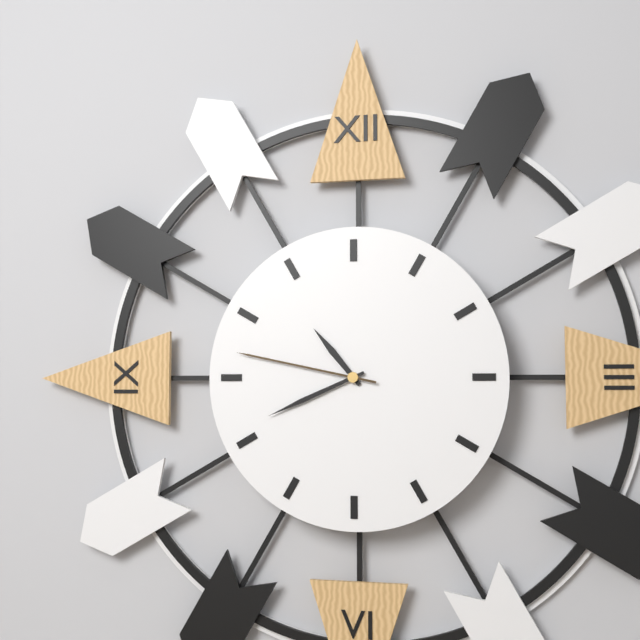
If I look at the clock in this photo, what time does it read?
10:41:47
